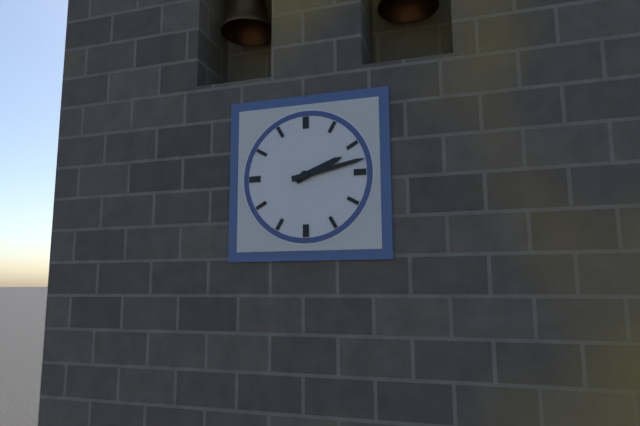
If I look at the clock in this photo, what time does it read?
2:13
